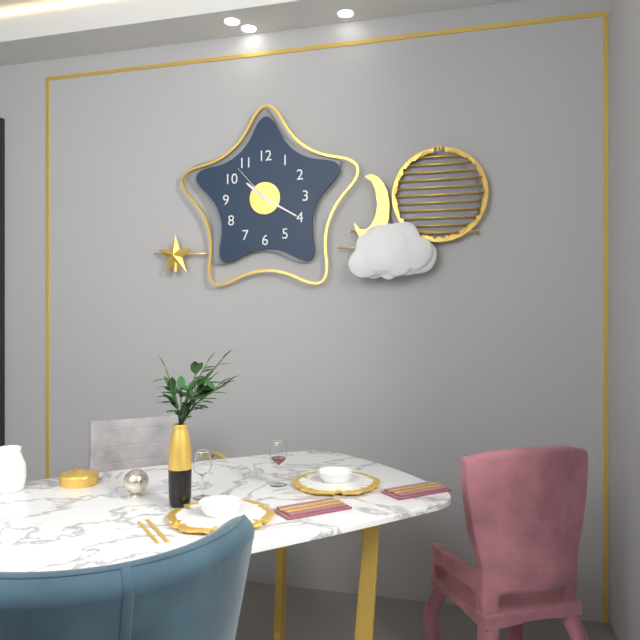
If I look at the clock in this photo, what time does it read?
10:20:53
